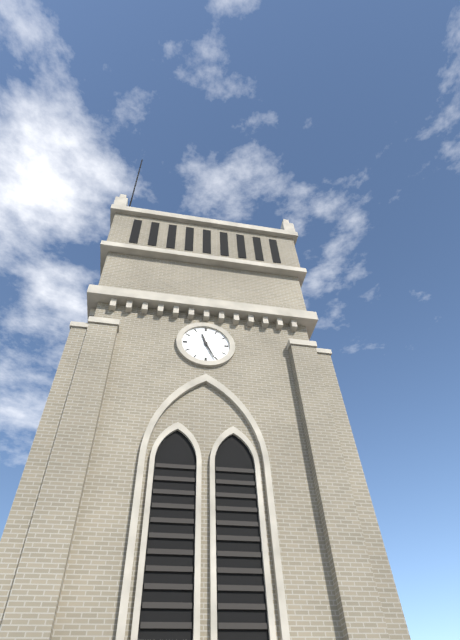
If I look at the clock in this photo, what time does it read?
11:26
